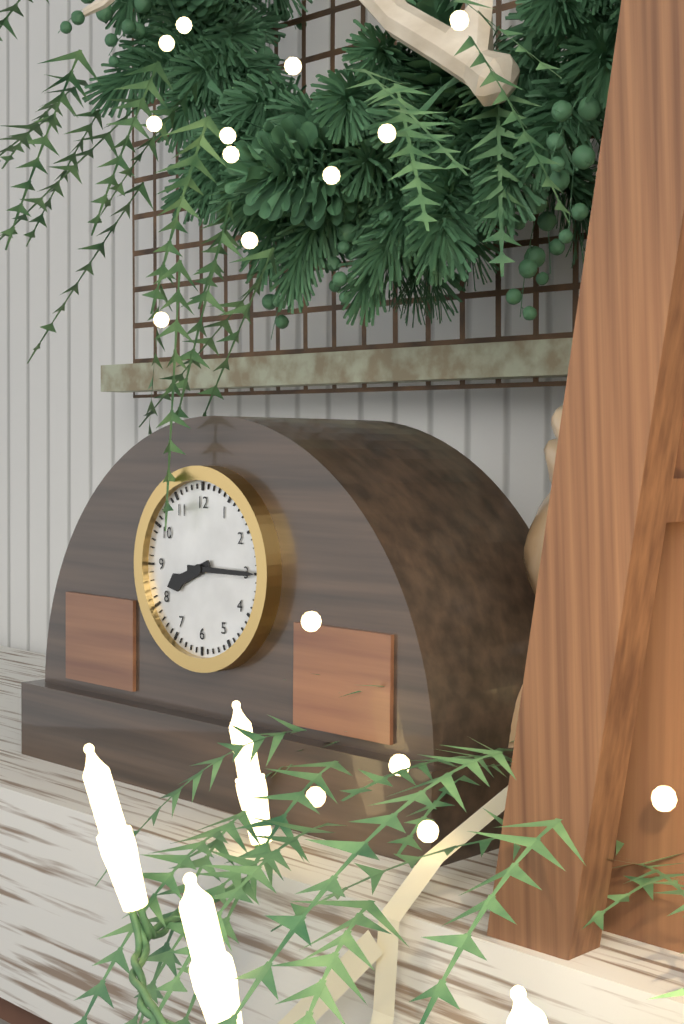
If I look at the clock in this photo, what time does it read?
8:15
